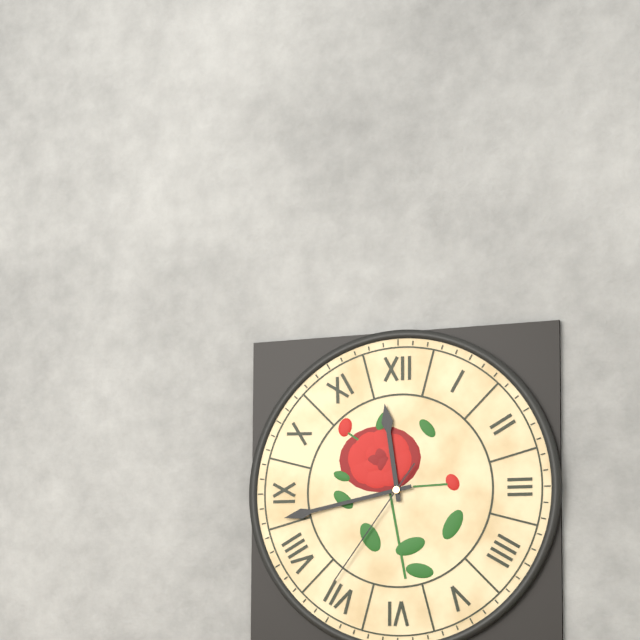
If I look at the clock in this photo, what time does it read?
11:43:36
